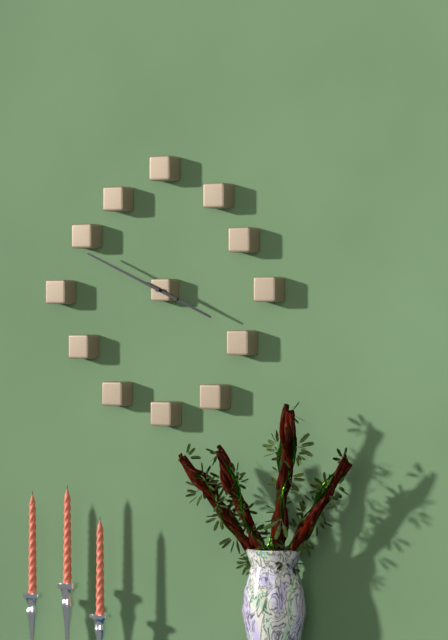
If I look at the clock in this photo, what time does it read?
3:49
